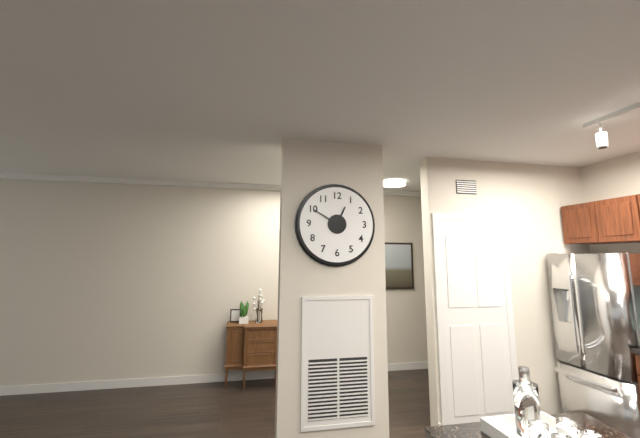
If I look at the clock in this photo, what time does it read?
12:50
